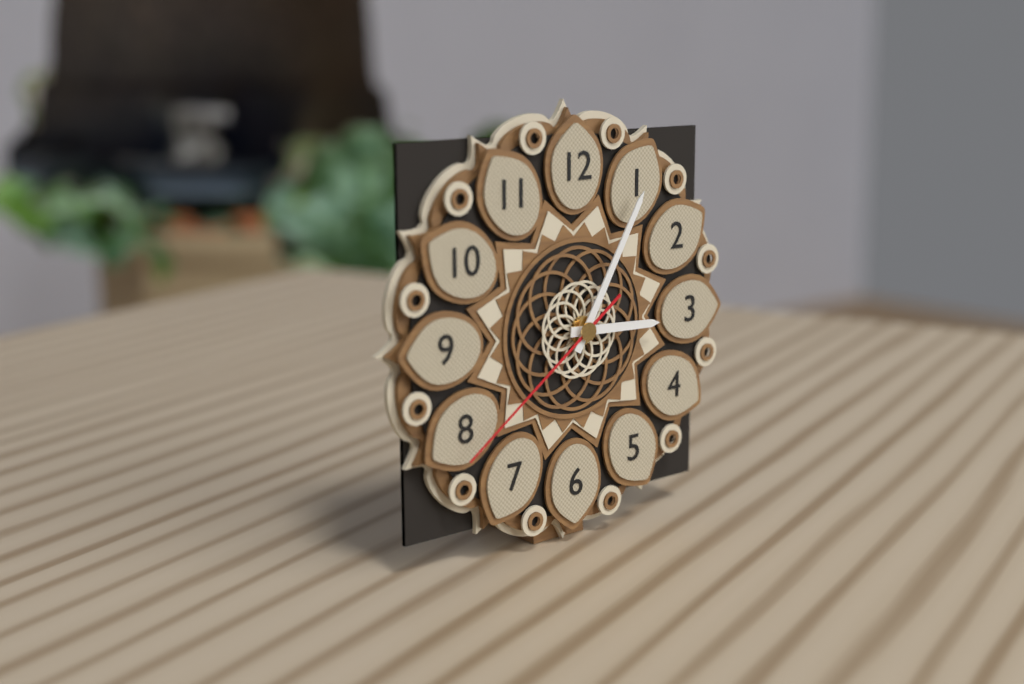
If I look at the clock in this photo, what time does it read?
3:05:39
